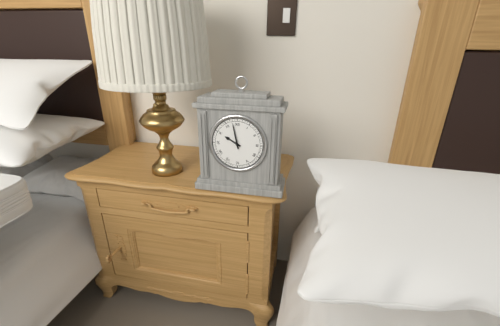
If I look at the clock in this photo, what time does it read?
9:58
